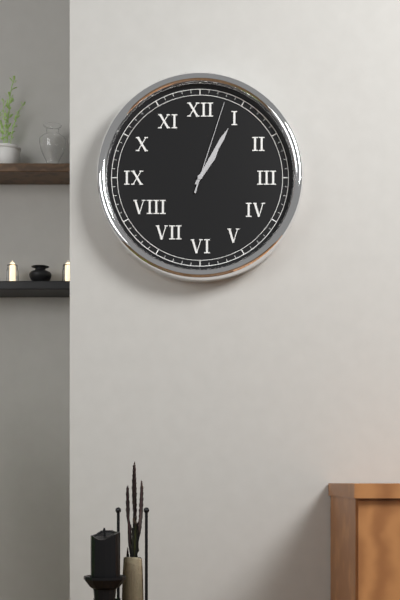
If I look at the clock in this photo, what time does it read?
1:05:03
